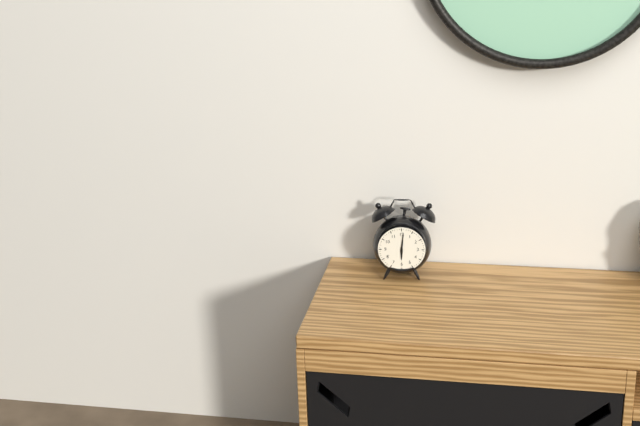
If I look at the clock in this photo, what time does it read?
6:01
